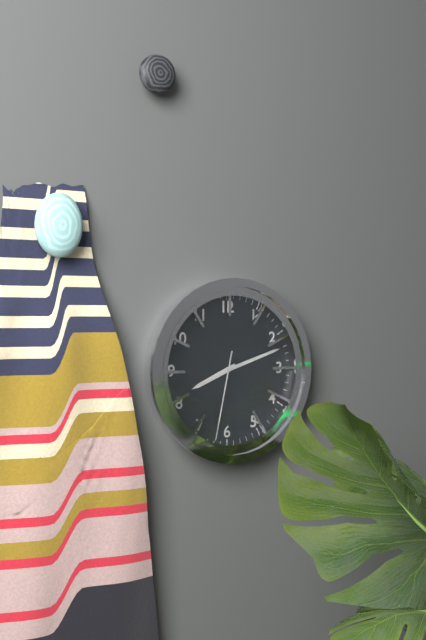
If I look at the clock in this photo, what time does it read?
8:12:32
